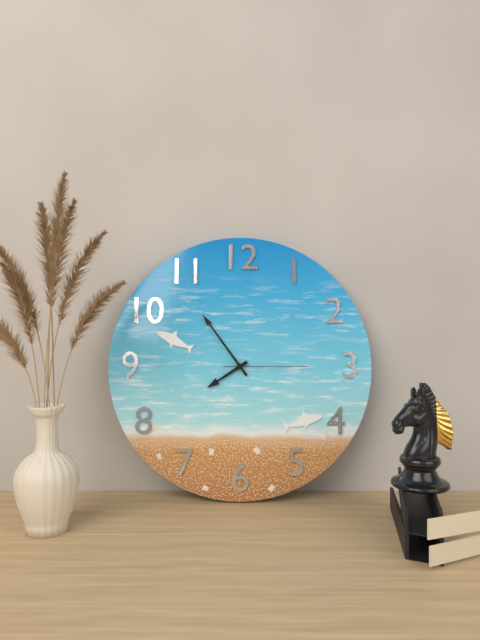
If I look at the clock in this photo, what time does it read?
7:54:15
